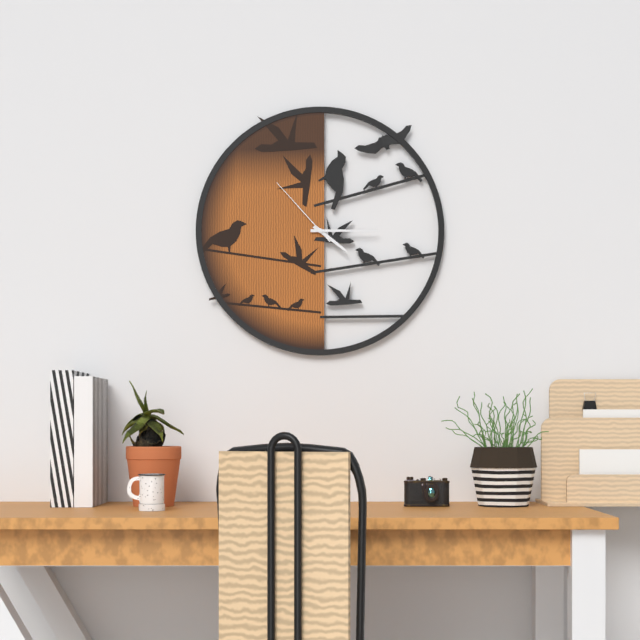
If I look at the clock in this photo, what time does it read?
4:15:53
